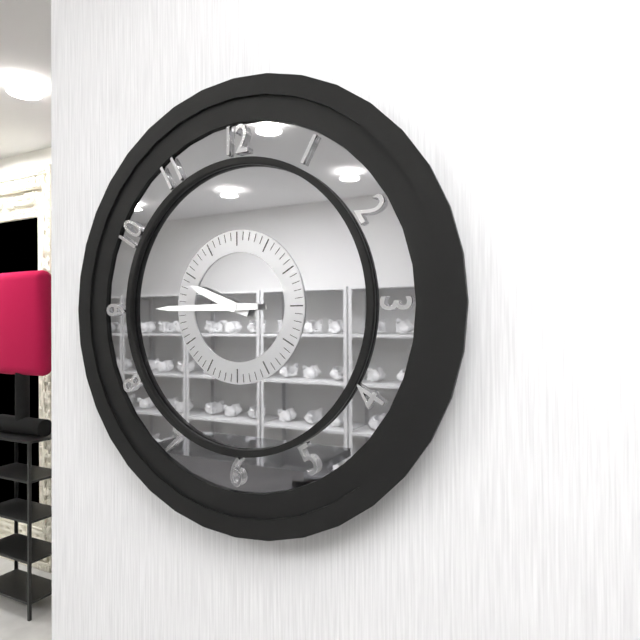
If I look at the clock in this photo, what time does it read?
9:45
